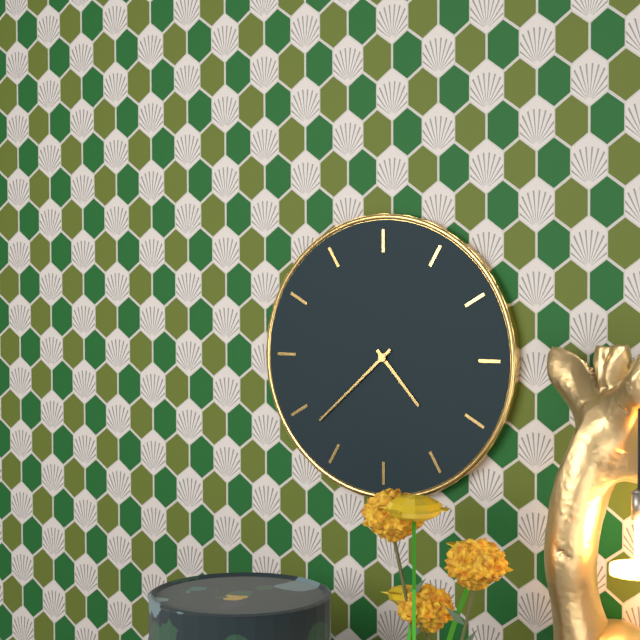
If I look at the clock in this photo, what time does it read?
4:38
